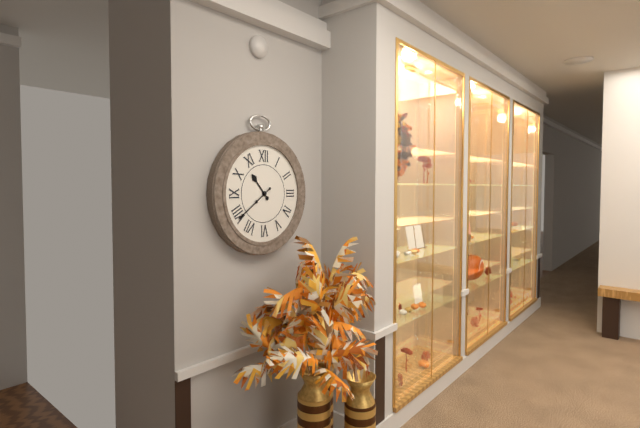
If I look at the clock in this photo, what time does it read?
10:39
